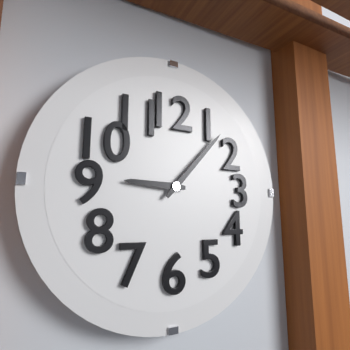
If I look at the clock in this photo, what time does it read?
9:07
